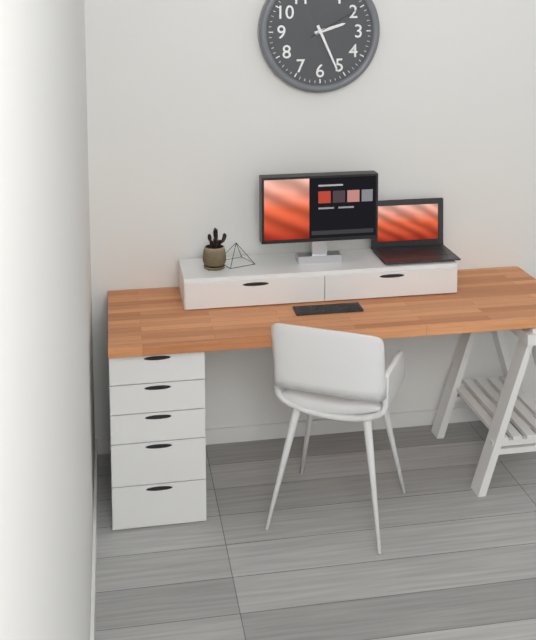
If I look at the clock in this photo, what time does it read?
2:26:10
